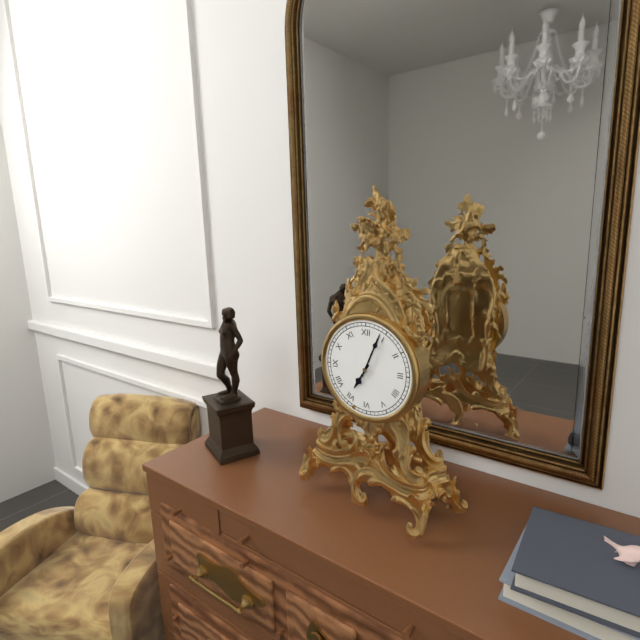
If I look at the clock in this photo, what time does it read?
7:04
